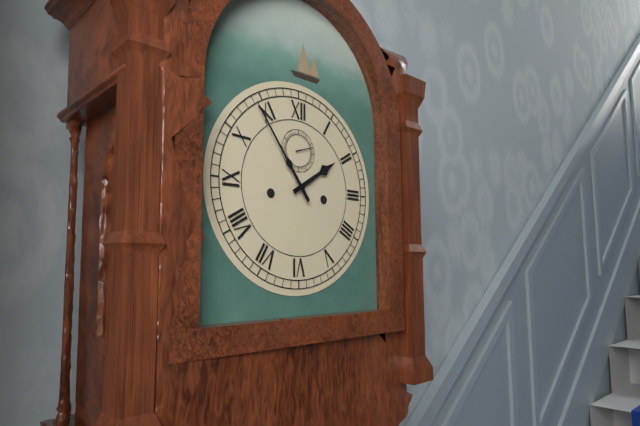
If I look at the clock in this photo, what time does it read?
1:54
